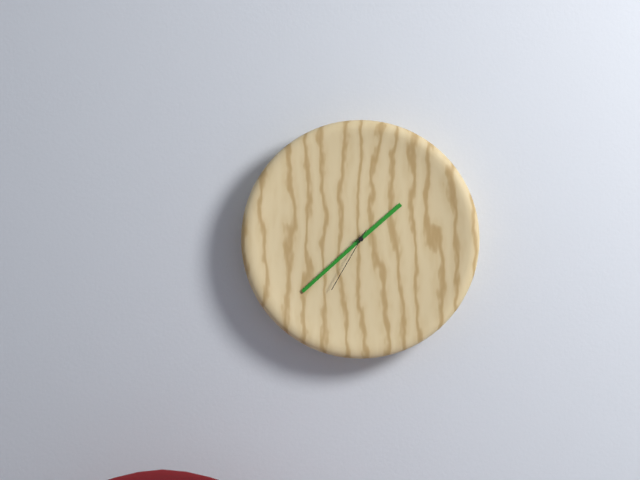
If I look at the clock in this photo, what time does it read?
1:38:35
